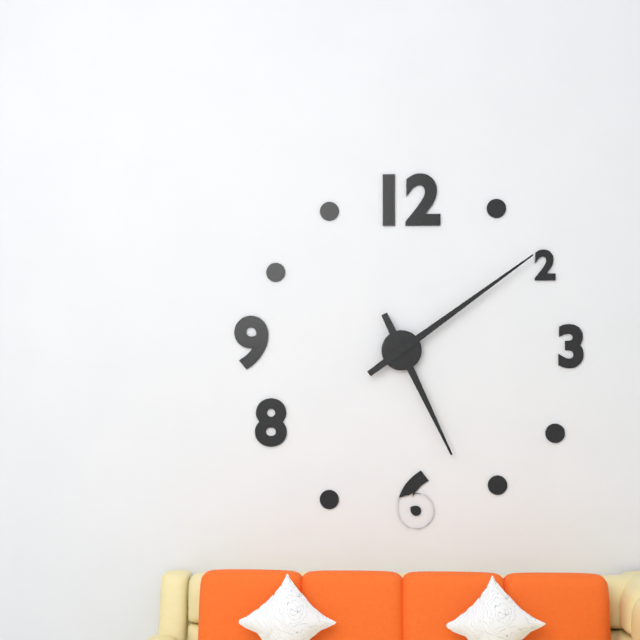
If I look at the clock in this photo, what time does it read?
5:09
